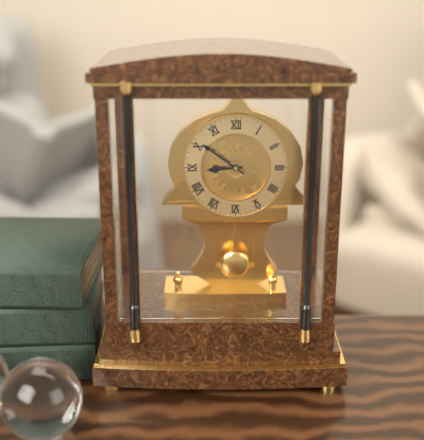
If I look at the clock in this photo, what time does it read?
8:51
